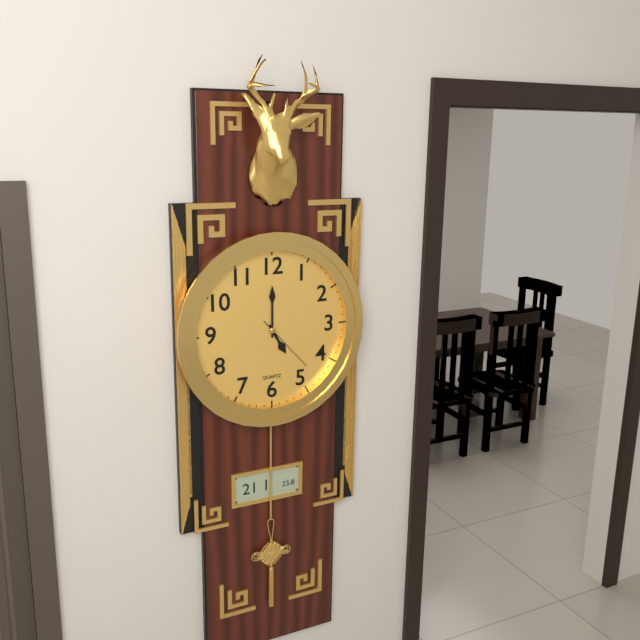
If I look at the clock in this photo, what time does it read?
5:00:23
